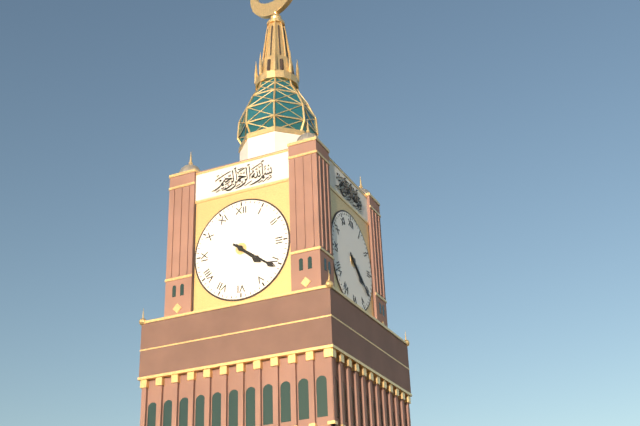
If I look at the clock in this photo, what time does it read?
4:21
